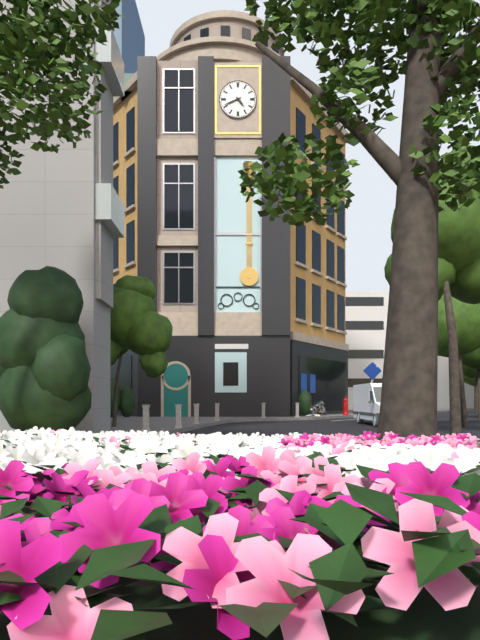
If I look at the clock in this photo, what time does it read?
4:41
